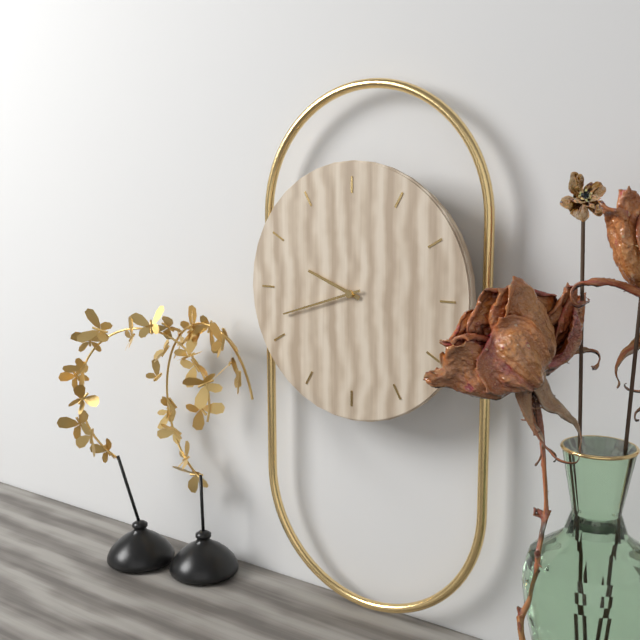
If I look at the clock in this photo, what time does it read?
9:42
